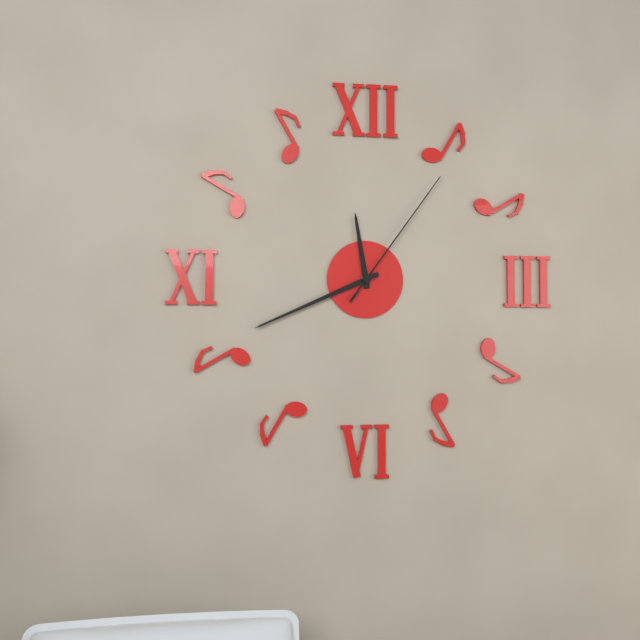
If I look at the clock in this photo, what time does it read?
11:41:06
